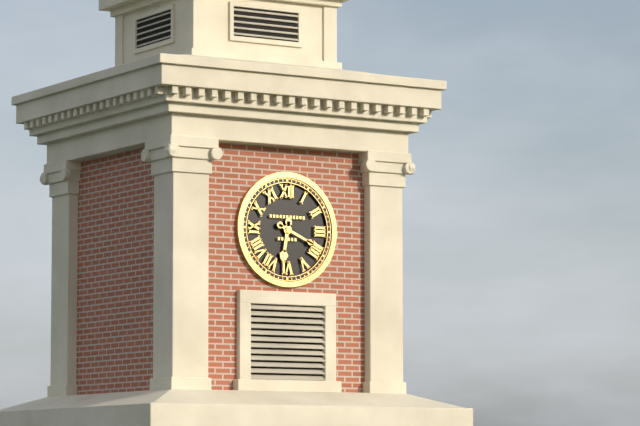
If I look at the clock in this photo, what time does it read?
6:19
